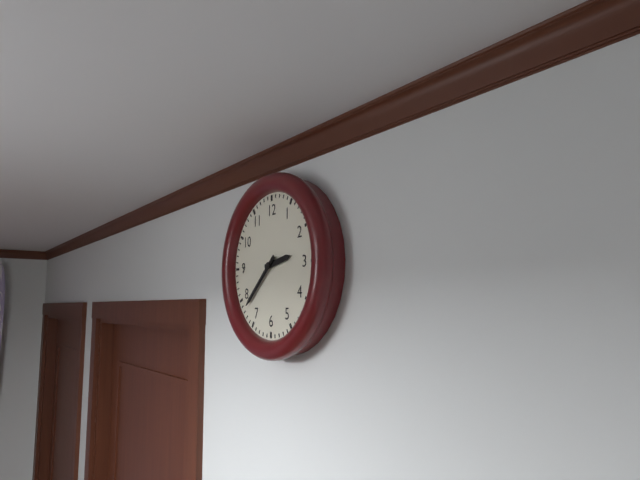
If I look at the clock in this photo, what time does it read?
2:38
